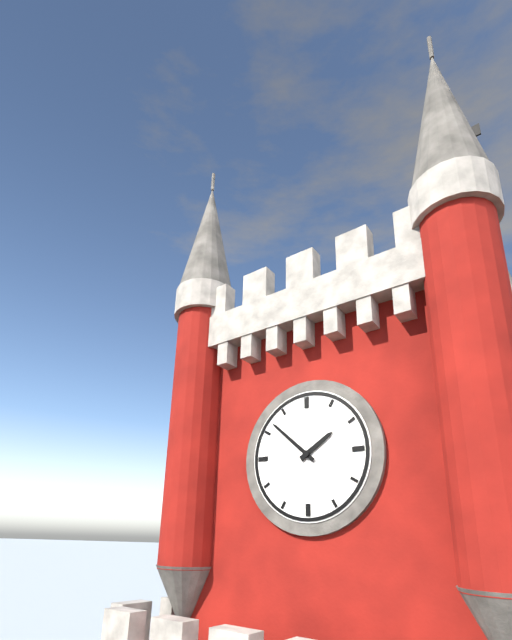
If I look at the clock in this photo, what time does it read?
1:52
